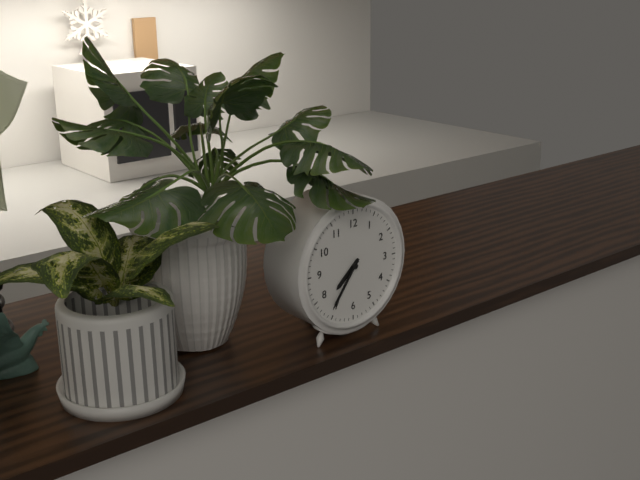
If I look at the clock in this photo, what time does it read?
7:36
